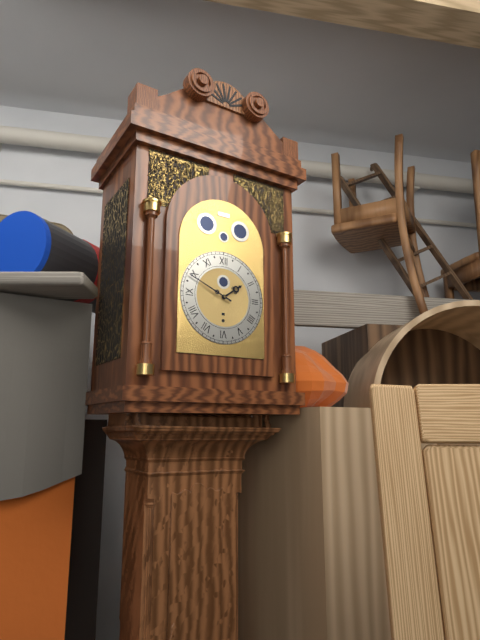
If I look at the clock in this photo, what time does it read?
1:49
